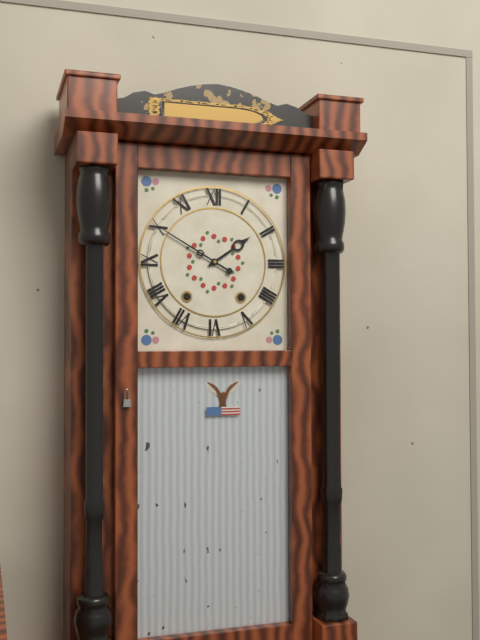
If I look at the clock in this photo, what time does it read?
1:50
